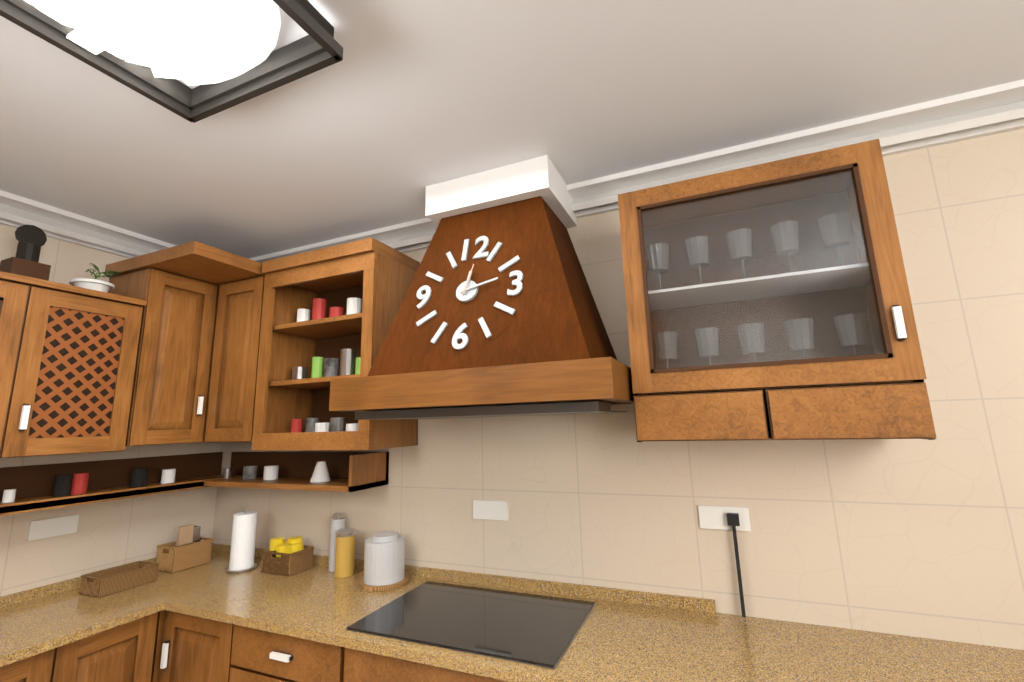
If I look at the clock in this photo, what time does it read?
12:13
